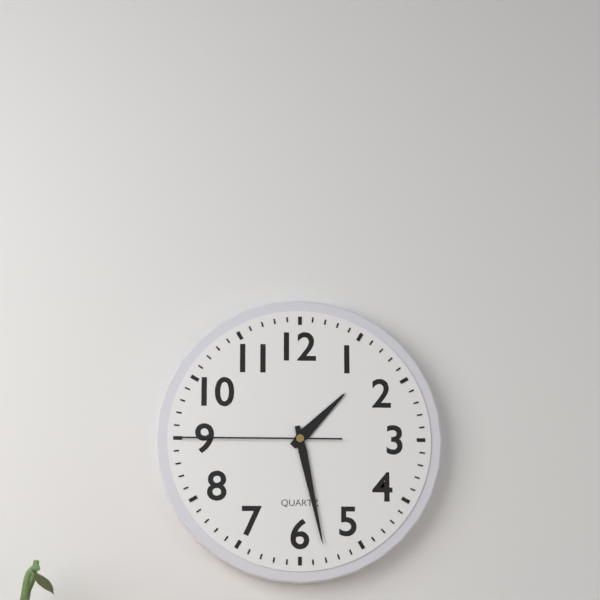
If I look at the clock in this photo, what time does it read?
1:28:45
